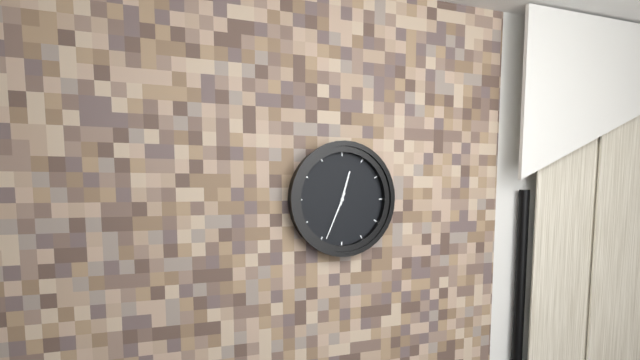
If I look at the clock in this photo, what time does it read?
12:34
